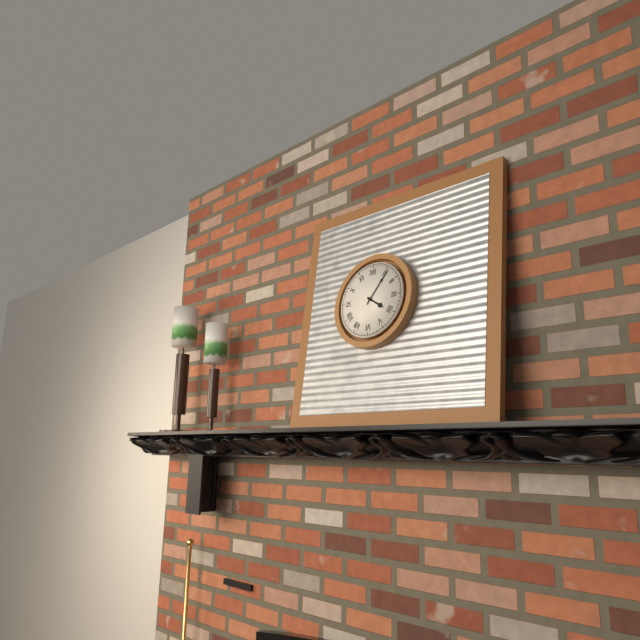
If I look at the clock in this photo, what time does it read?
4:06
